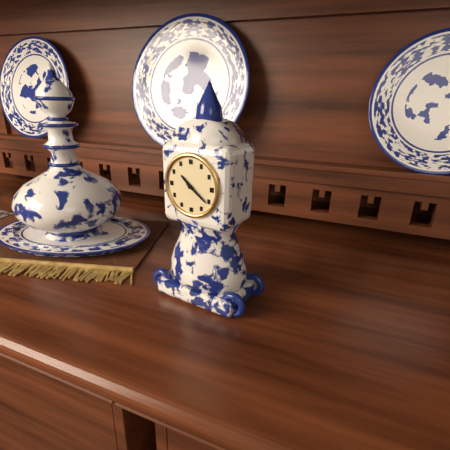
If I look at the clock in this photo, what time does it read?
10:21
